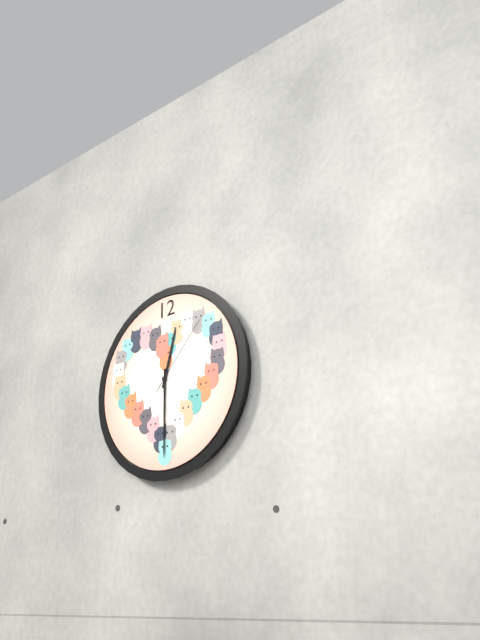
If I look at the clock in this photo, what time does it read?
12:30:07
